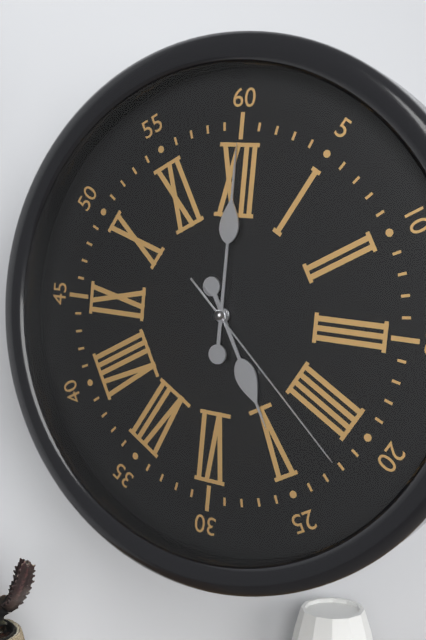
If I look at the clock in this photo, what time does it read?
5:00:22
